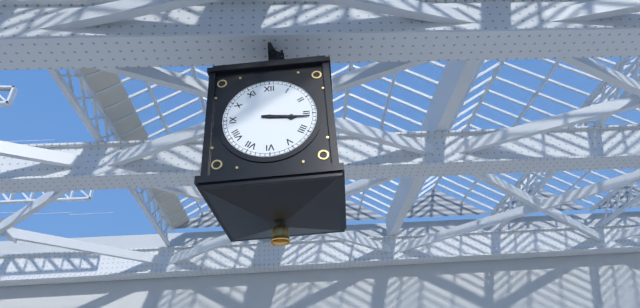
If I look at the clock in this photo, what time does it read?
3:16
